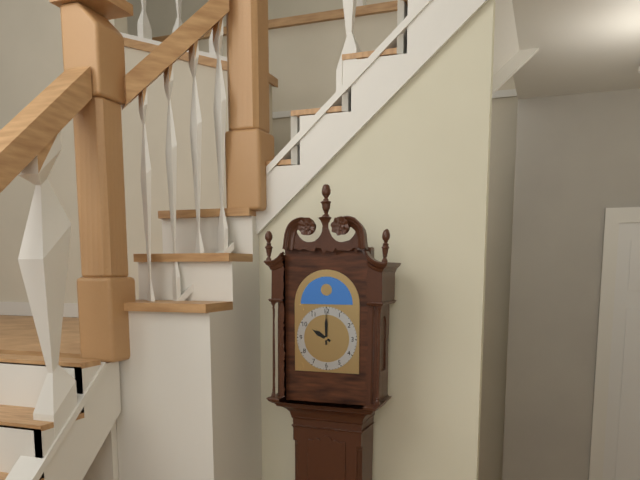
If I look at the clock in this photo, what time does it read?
10:00
